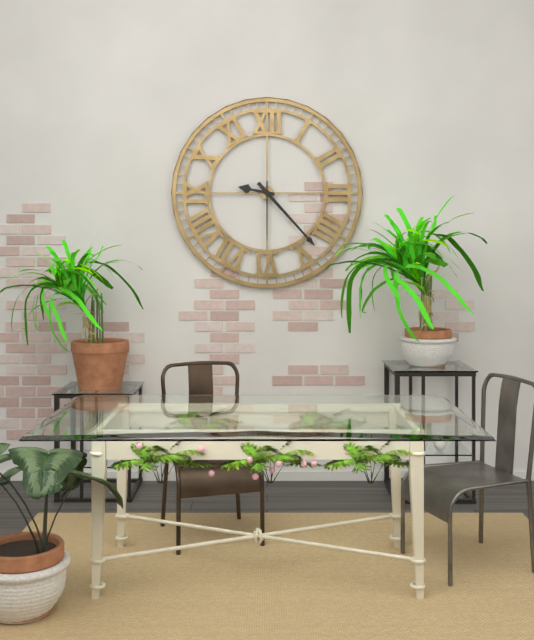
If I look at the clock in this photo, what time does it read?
9:23:30
